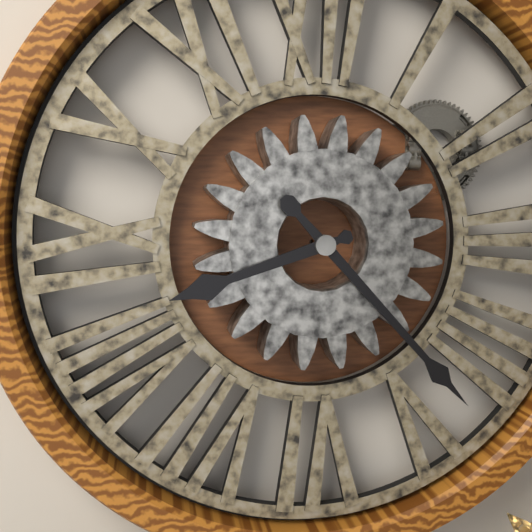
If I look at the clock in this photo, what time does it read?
8:23
